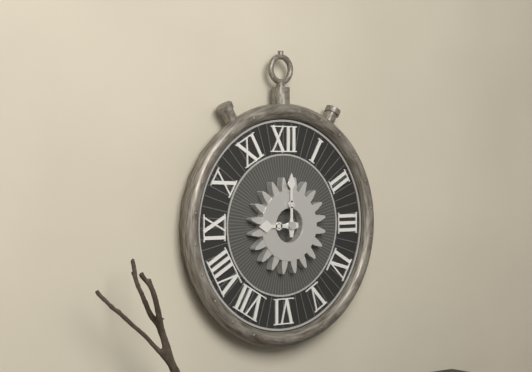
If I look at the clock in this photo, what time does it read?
9:00
